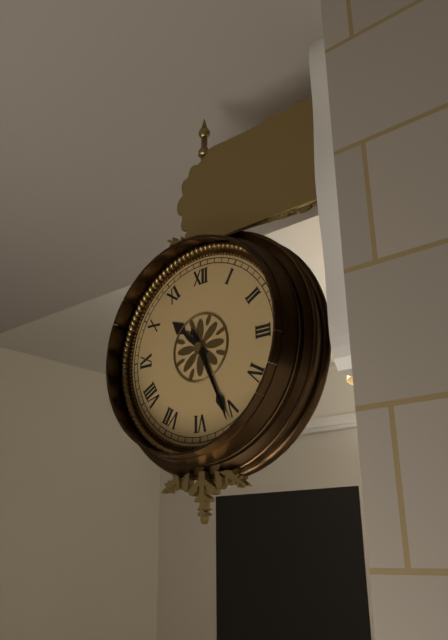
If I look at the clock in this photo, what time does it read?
10:26:26
